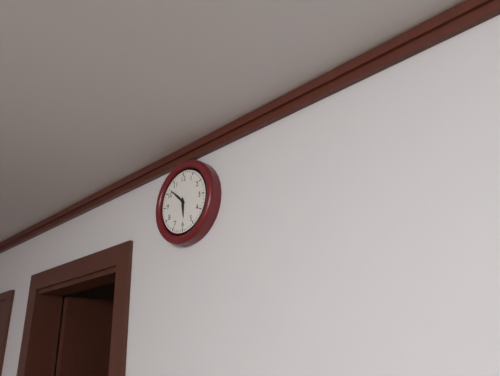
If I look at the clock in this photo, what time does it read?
5:52
